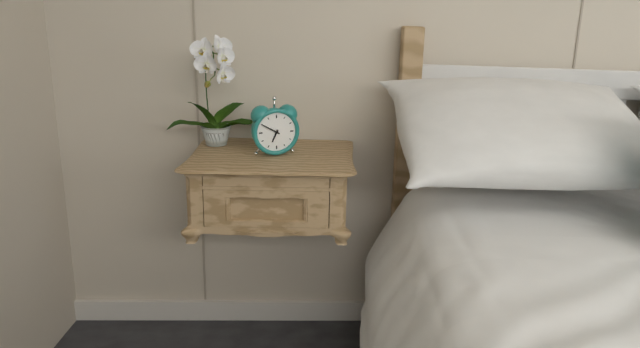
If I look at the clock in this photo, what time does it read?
6:50
